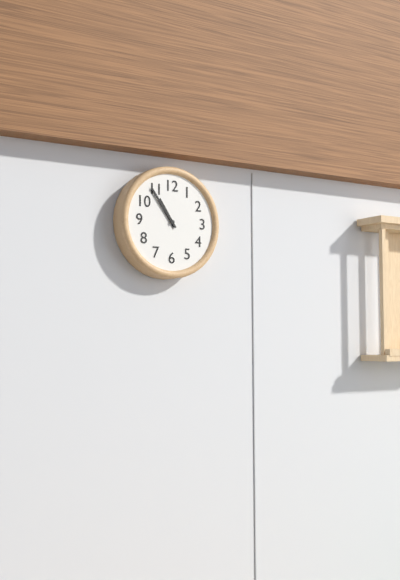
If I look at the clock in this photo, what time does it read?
10:54
